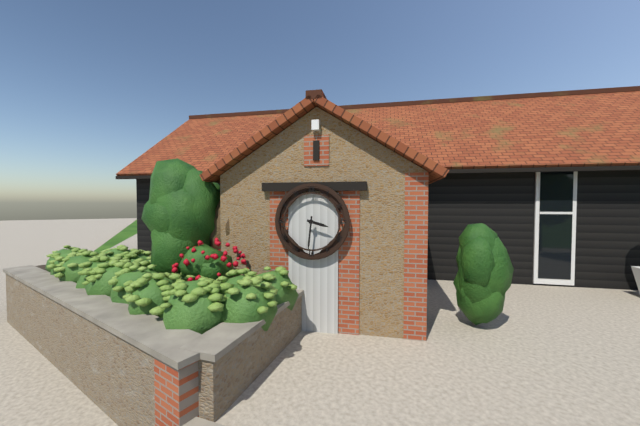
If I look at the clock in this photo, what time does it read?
3:31
